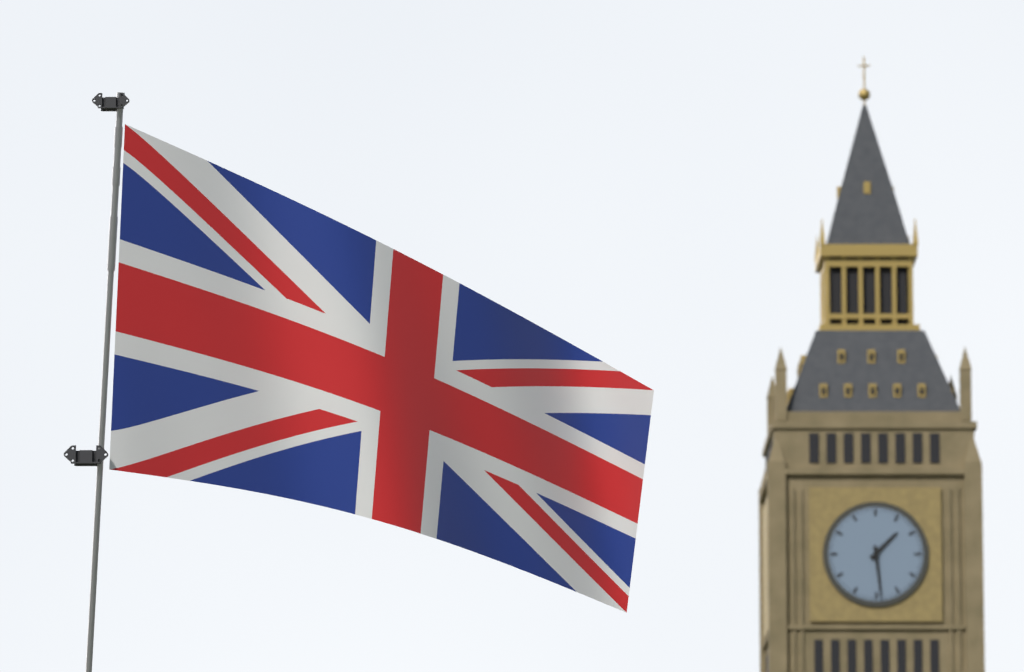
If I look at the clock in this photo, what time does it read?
1:29
